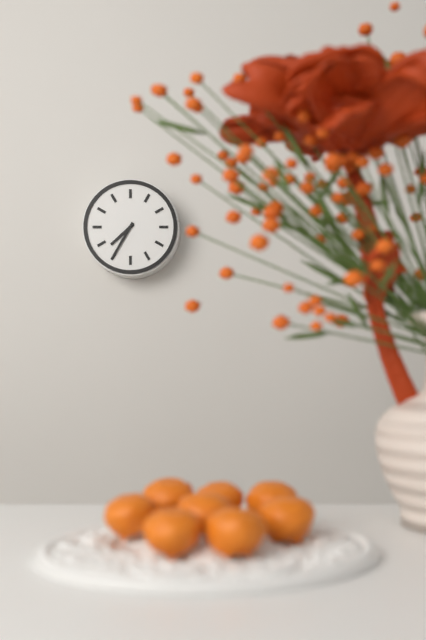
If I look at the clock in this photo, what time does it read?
7:35
